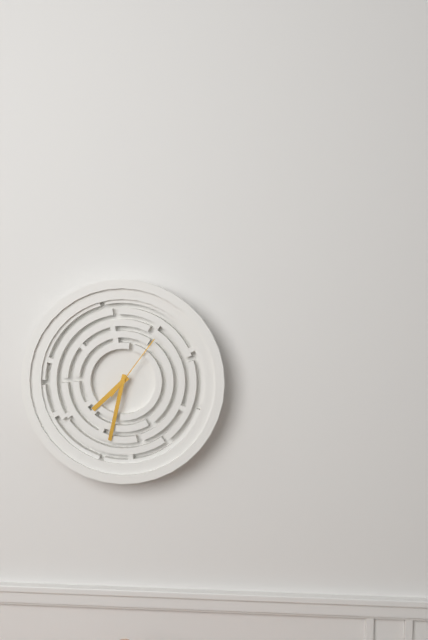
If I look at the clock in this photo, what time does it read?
7:32:06
